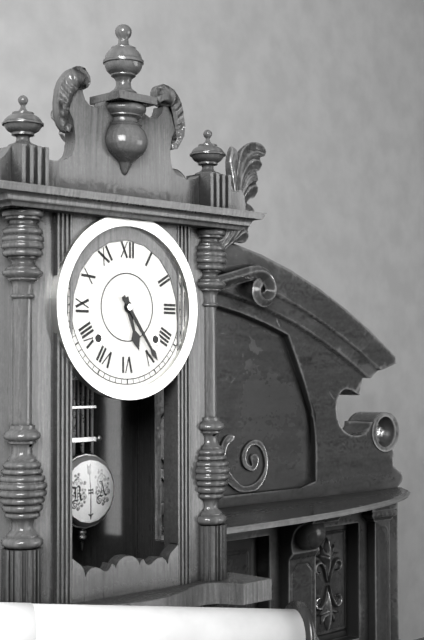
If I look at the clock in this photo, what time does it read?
5:24
